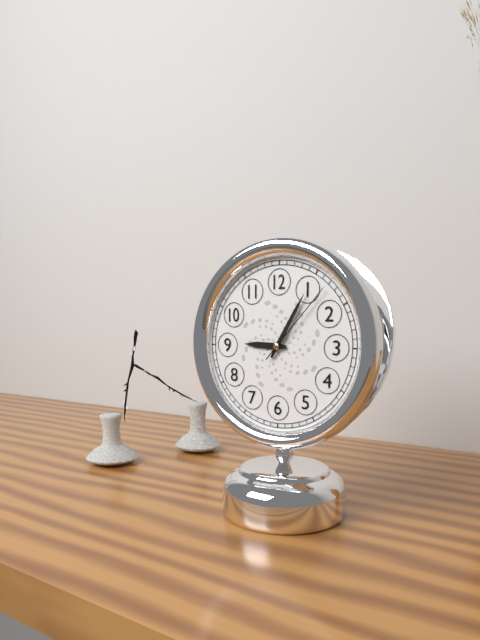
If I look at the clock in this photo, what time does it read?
9:05:07
